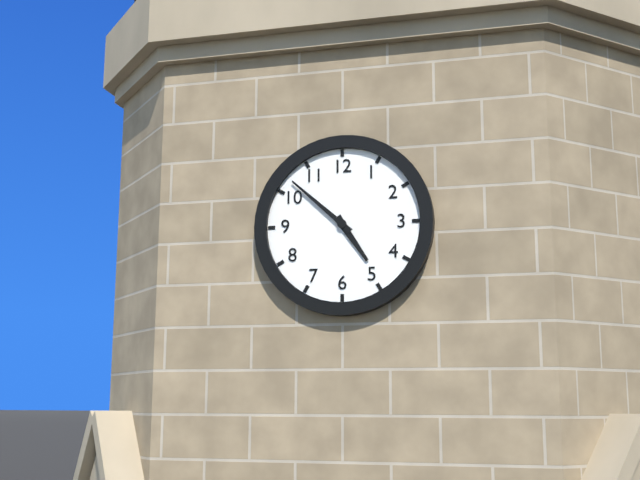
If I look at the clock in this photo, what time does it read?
4:52
